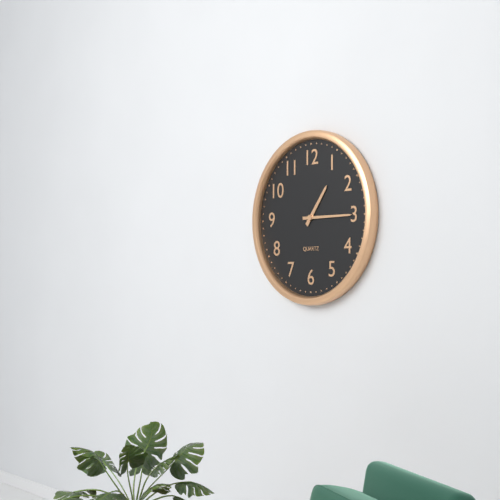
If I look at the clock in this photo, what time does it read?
1:15
